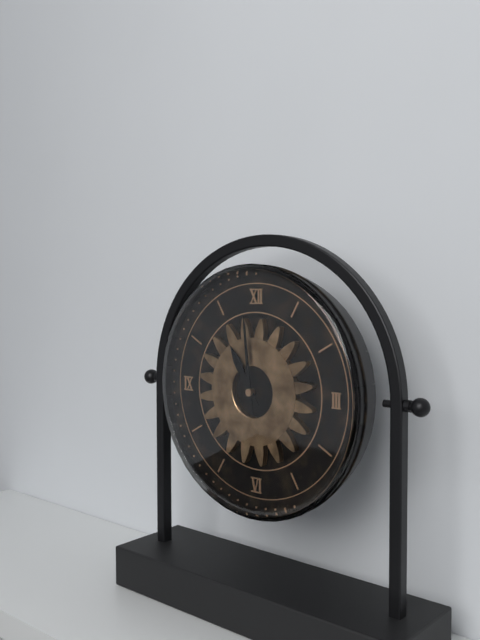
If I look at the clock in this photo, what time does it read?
10:59
